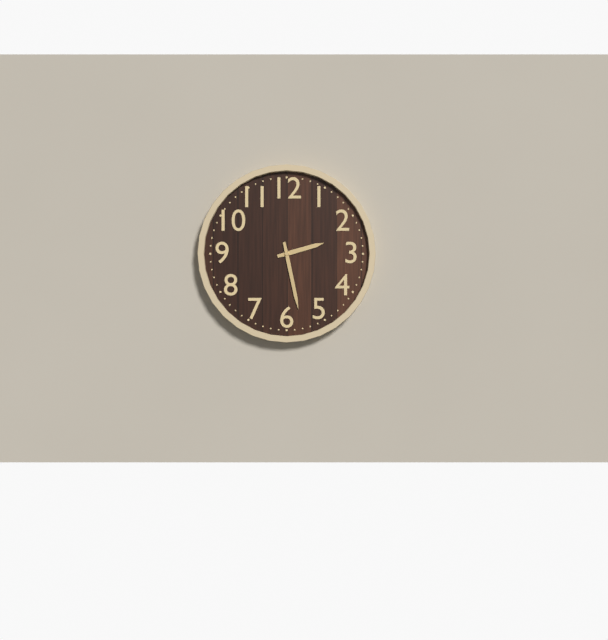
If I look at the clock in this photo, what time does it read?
2:28
